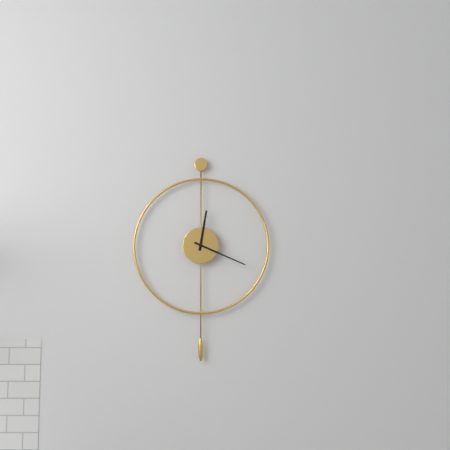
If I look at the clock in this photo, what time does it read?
12:19
